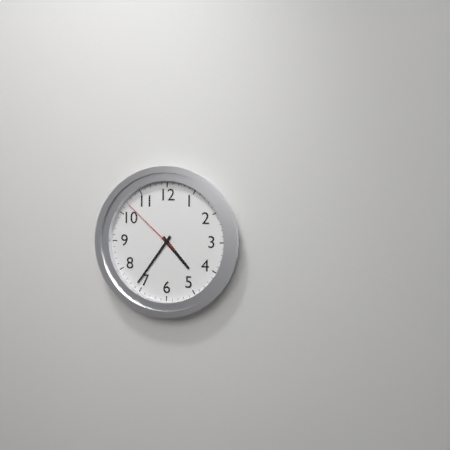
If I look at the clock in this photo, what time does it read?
4:36:52
